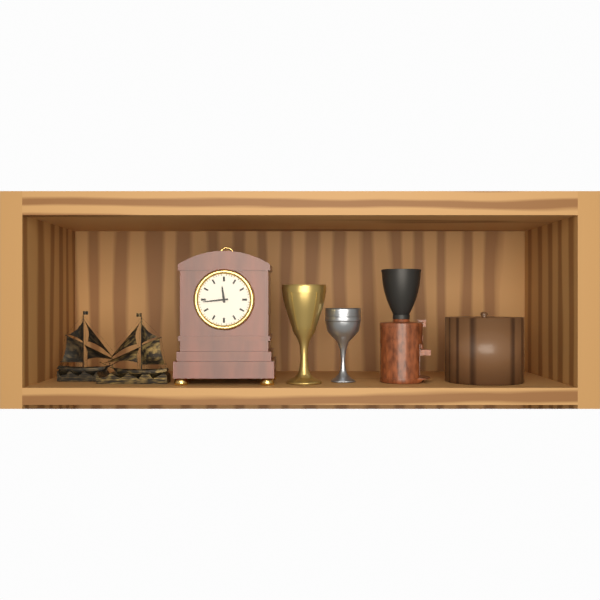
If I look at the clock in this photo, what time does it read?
11:44
